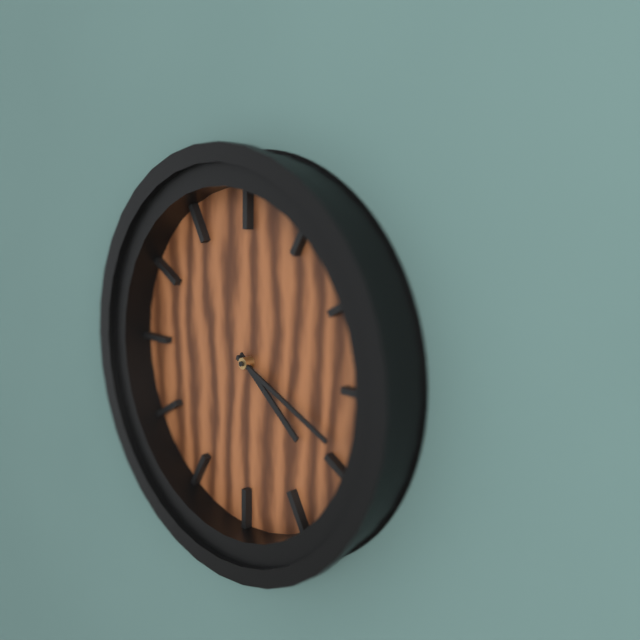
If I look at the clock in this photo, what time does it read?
4:19
